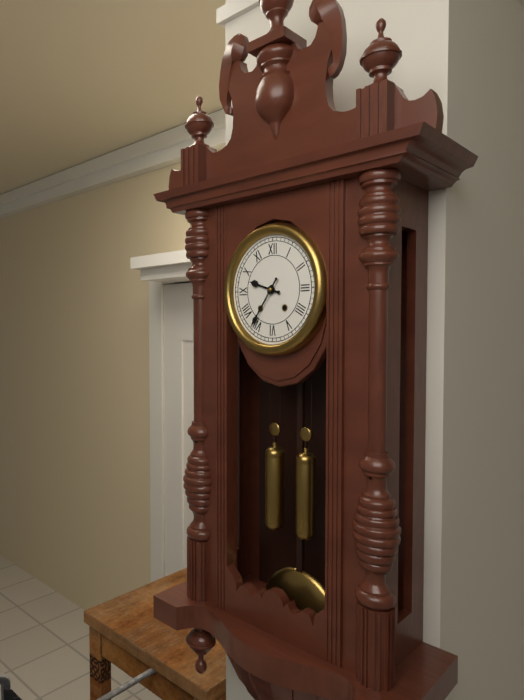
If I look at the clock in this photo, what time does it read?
9:36
